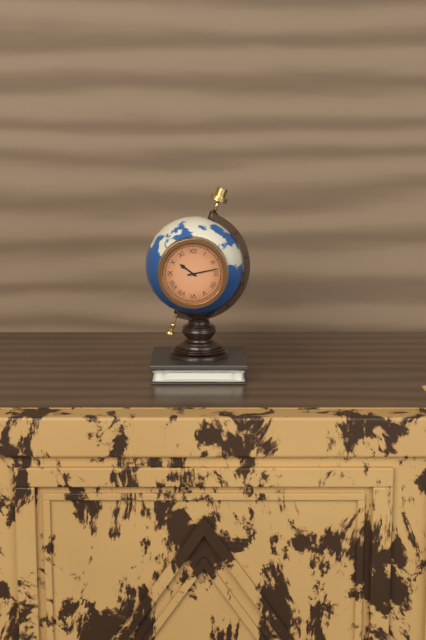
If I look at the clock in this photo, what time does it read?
10:13
